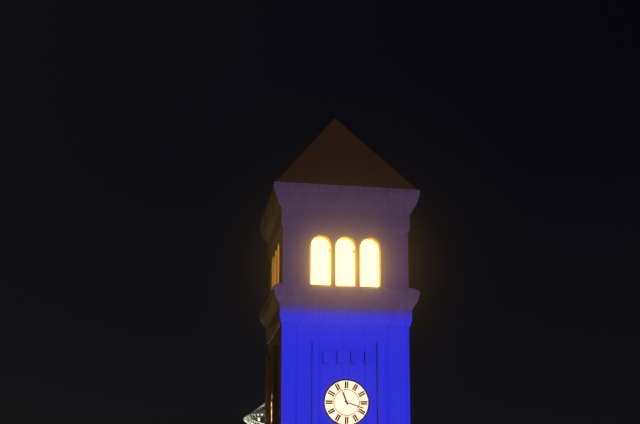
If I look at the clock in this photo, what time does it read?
11:18
